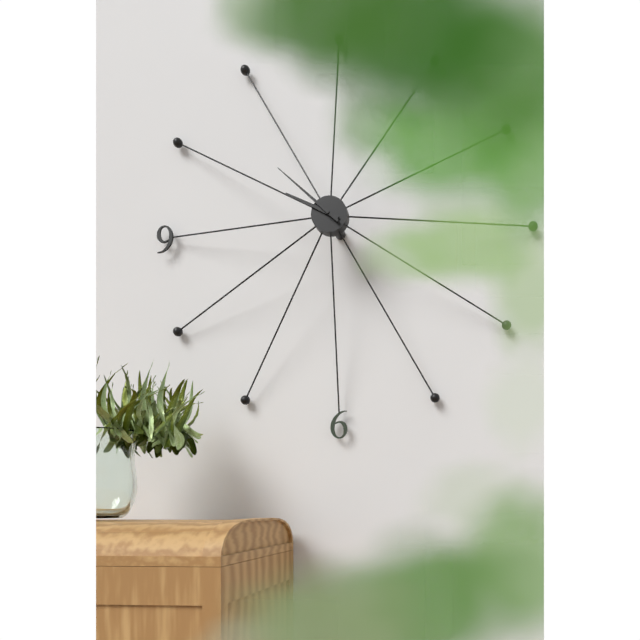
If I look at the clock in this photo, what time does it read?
9:52
